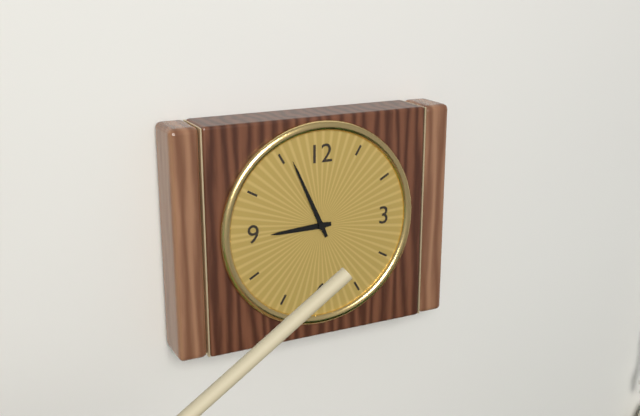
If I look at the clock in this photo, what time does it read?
8:56
